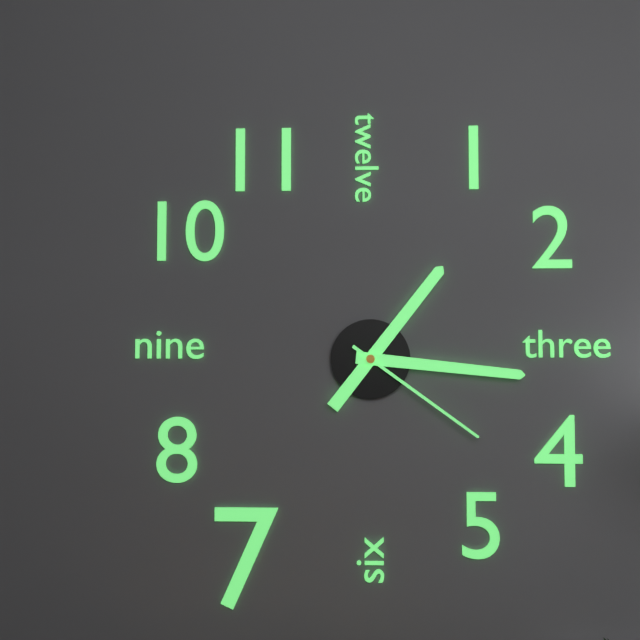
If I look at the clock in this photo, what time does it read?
1:16:21
